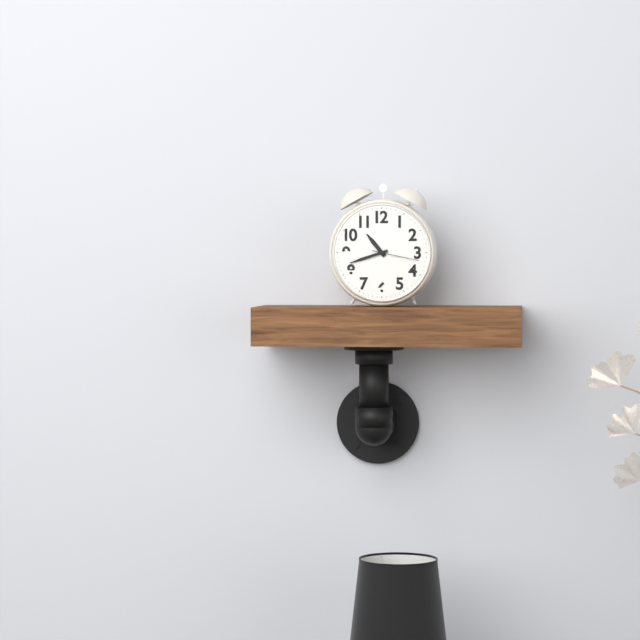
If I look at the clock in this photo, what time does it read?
10:42
